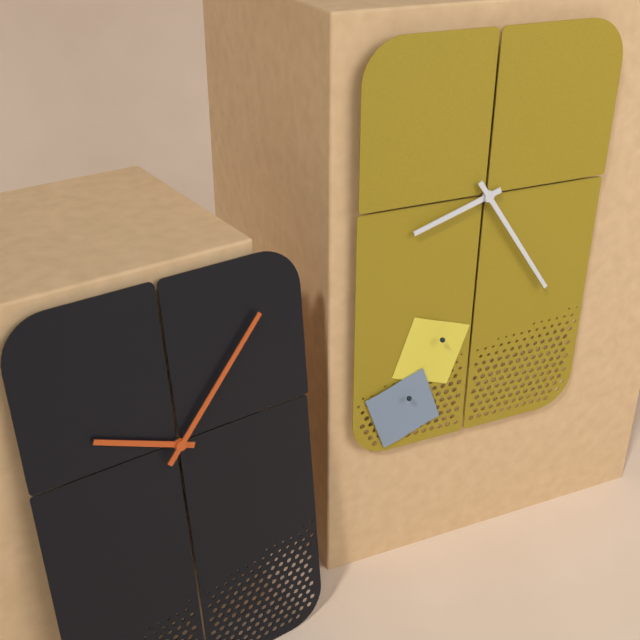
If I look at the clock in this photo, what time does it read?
8:24
